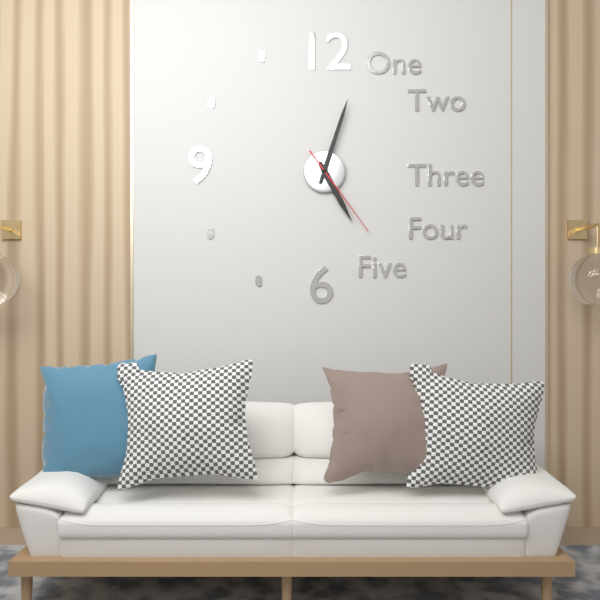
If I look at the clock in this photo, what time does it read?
5:03:24
